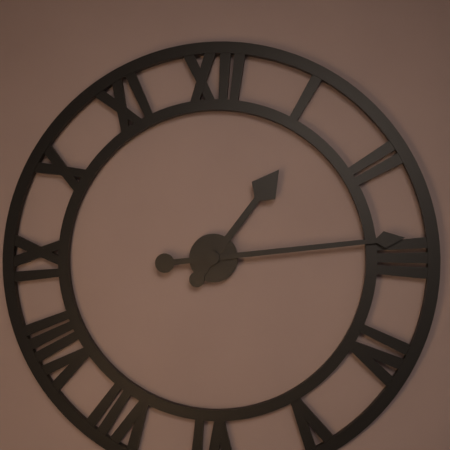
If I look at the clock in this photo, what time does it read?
1:14
